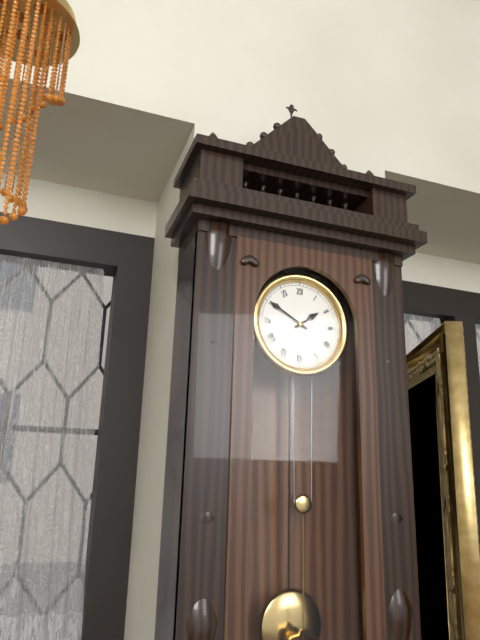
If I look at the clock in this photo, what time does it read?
1:50
